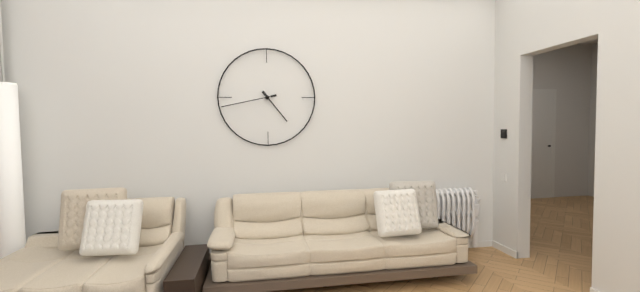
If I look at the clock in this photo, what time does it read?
4:43
